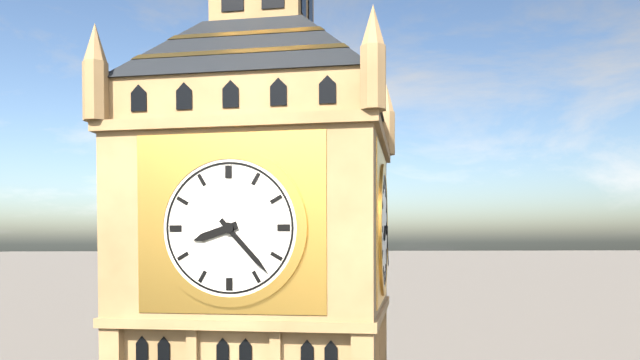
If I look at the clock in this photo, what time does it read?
8:23
